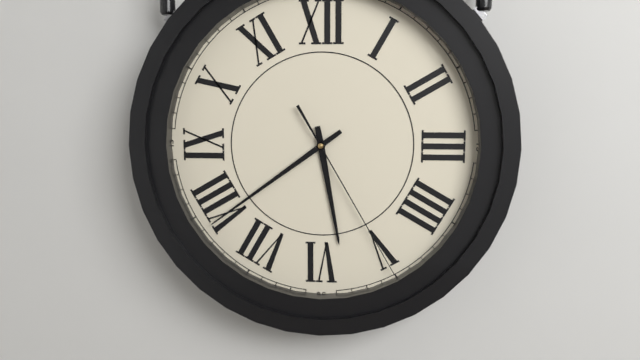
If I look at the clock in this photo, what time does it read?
5:39:25
